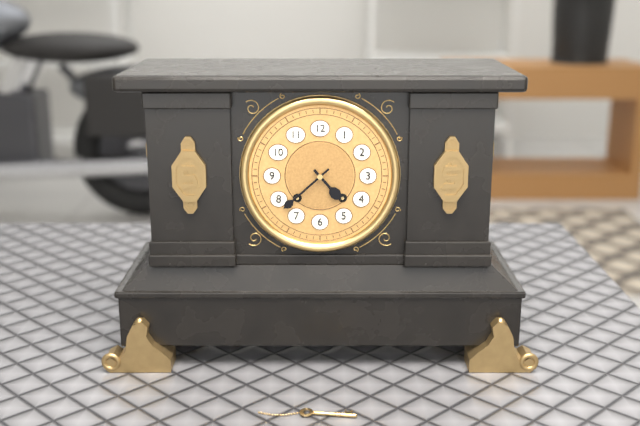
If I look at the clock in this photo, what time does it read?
4:38
